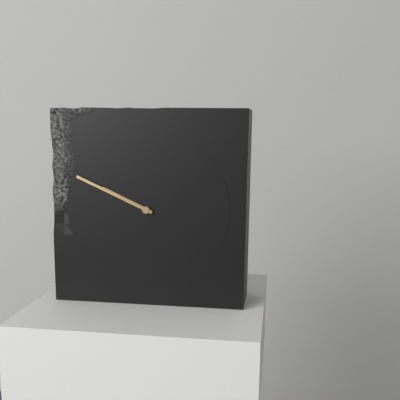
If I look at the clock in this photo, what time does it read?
9:49
